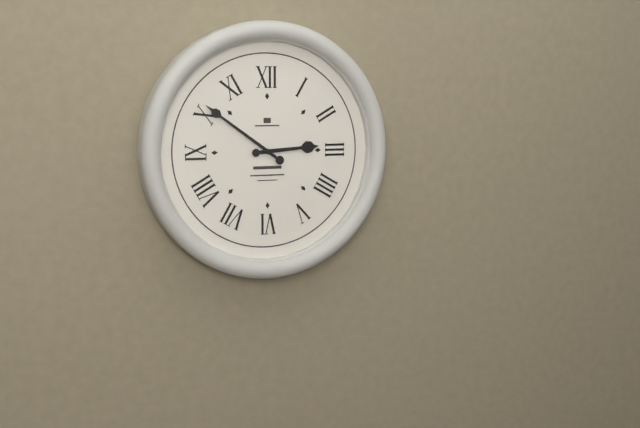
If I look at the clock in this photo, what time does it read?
2:51
